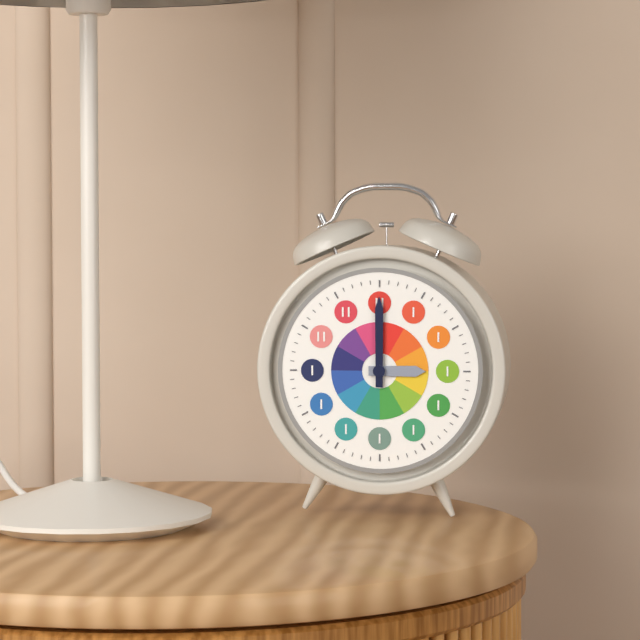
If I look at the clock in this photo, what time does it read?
3:00
